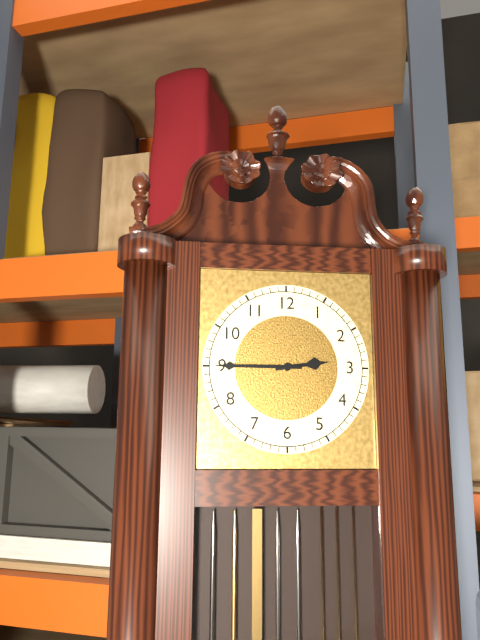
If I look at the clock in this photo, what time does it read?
2:45
